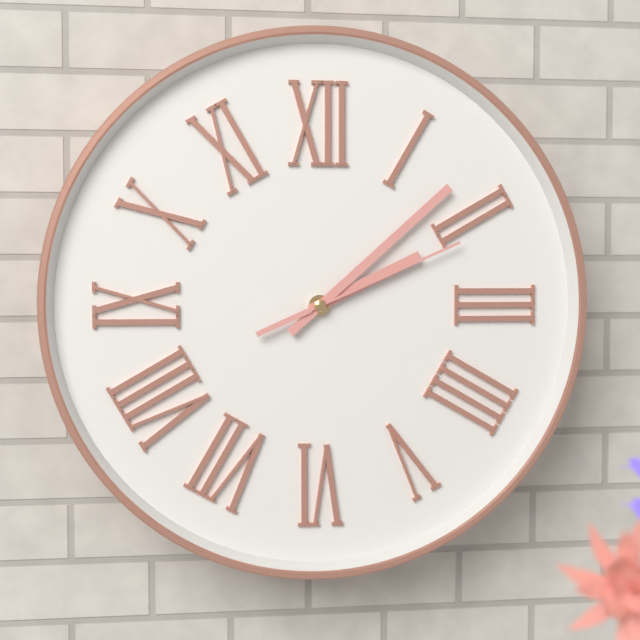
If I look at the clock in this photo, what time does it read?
2:08:11
